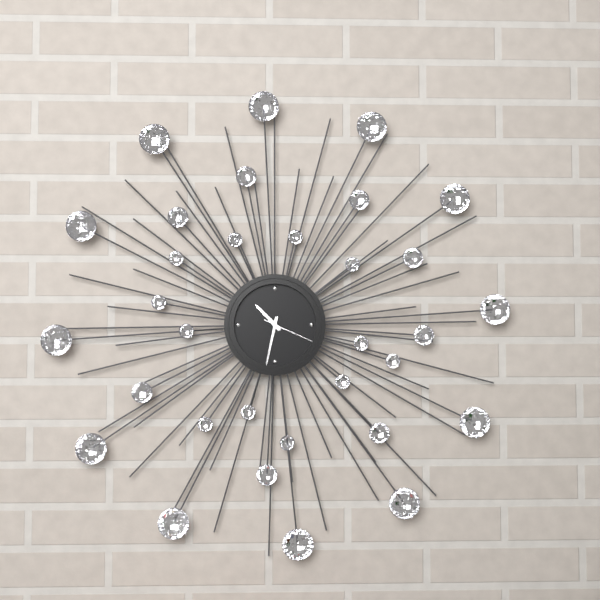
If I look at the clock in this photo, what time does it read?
10:32:19
